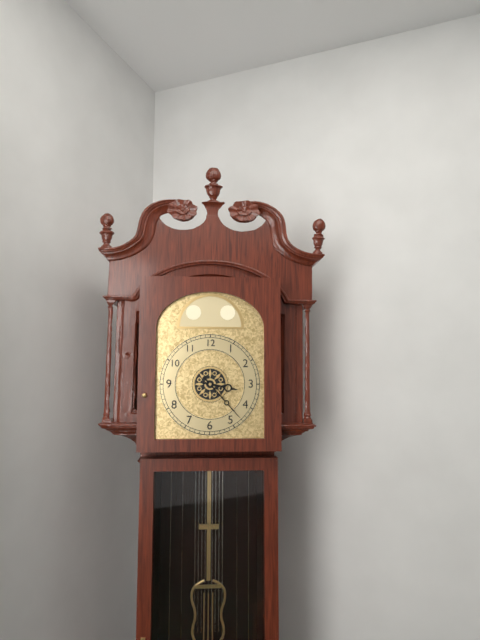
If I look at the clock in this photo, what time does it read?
3:23
